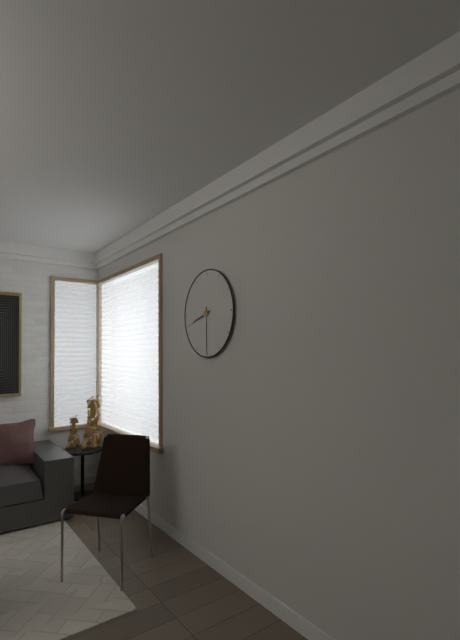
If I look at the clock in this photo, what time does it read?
8:30
